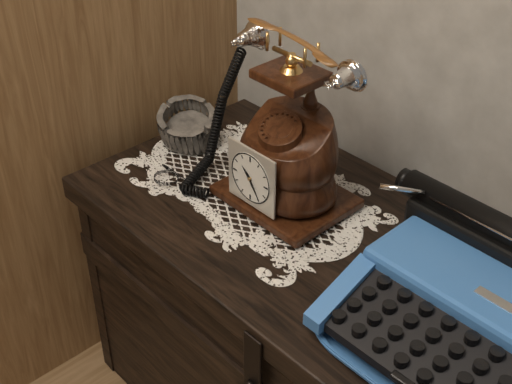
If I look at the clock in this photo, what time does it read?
10:24
